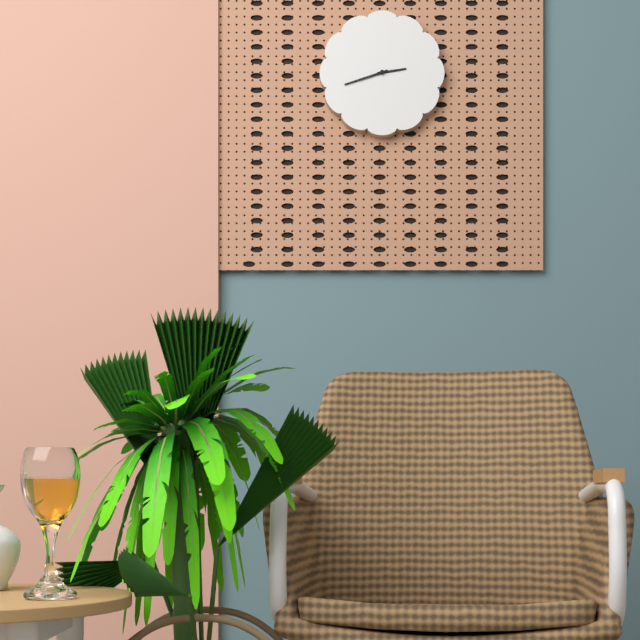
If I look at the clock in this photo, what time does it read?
2:42
